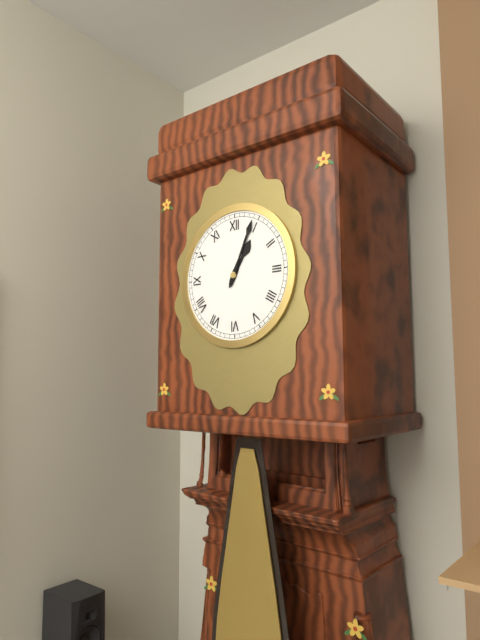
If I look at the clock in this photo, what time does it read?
1:04
